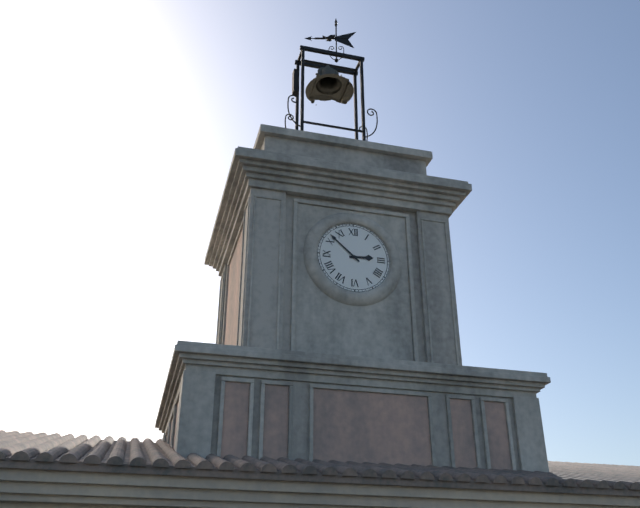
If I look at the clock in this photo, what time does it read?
2:52
